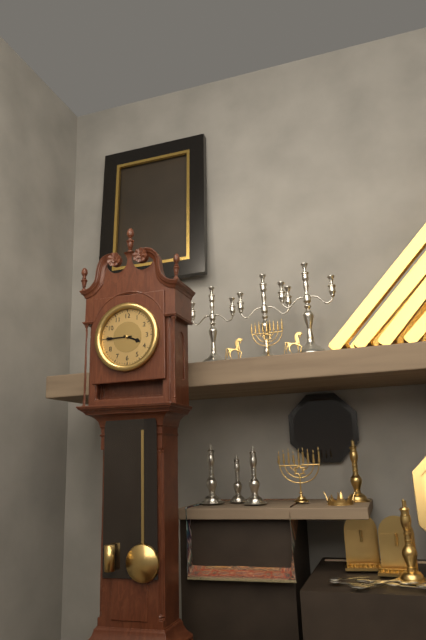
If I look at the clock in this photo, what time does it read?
3:45
